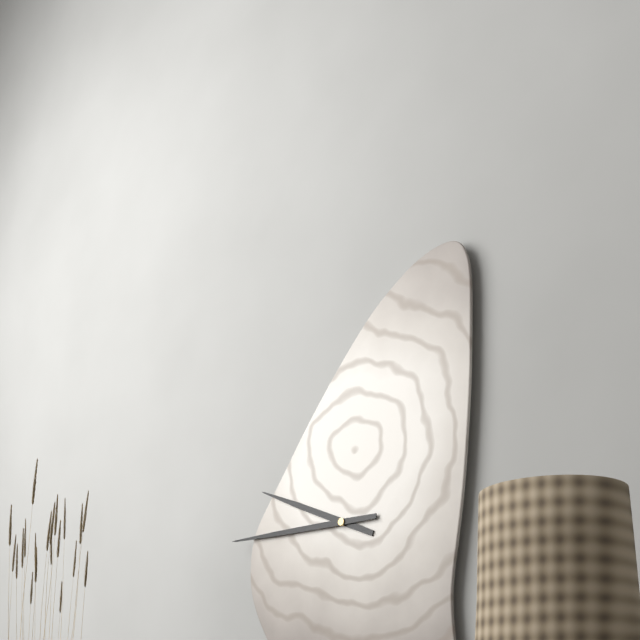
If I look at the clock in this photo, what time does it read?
9:45
